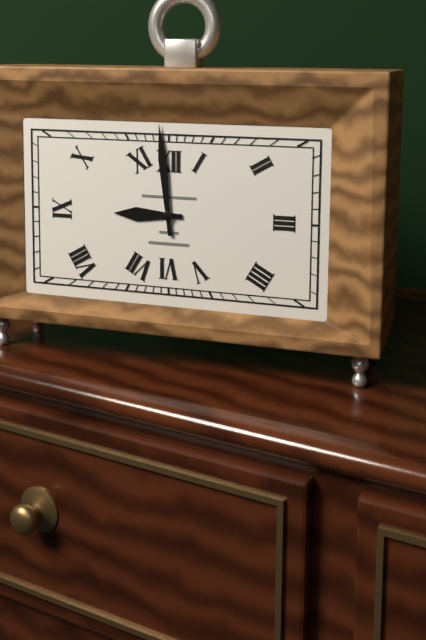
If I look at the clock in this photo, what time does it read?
8:59
